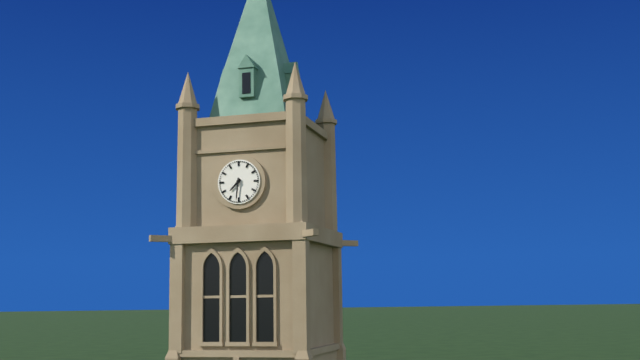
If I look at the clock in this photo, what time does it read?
7:31
